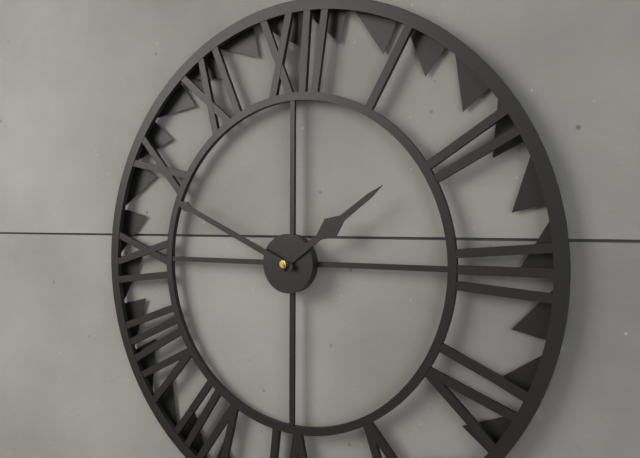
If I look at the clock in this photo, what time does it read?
1:49
